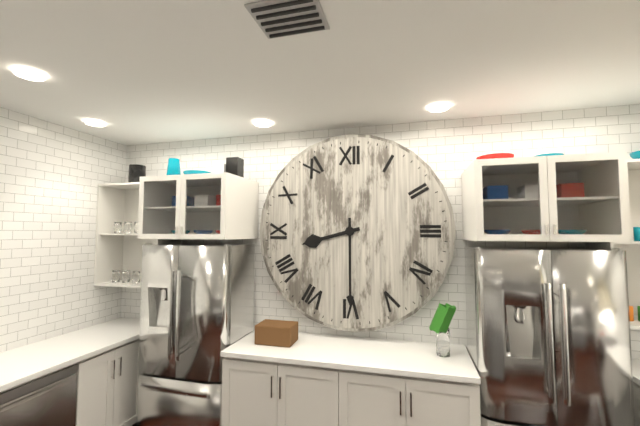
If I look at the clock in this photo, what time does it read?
8:30
